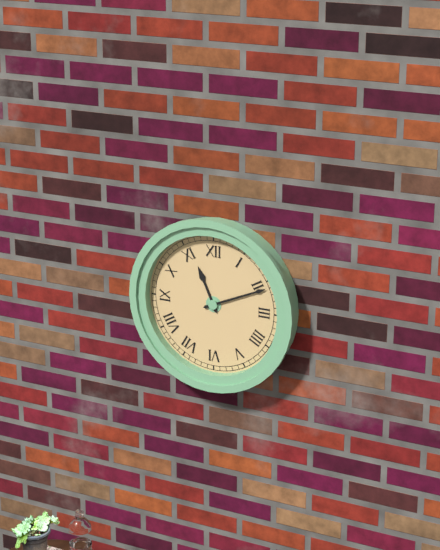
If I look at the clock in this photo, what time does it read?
11:11
